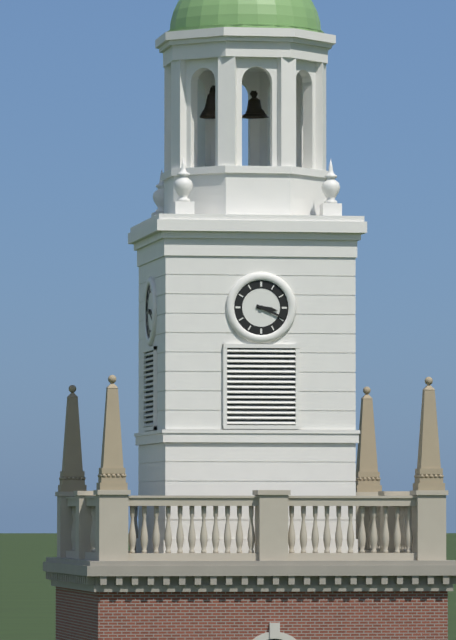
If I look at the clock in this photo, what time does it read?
3:19
